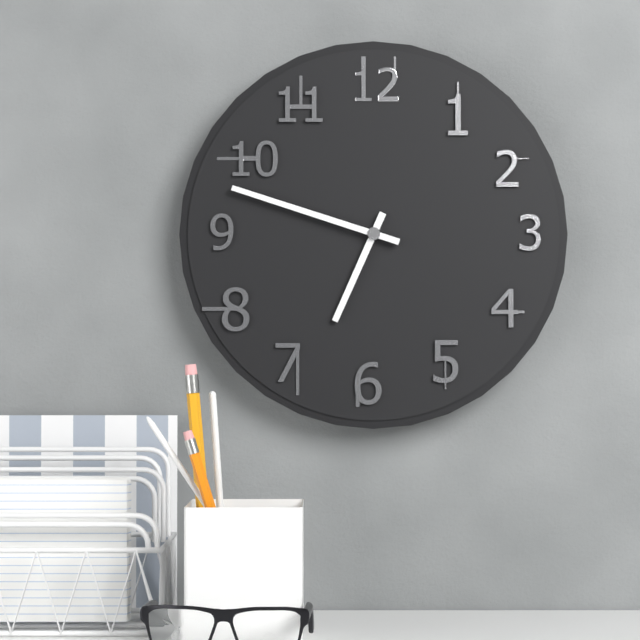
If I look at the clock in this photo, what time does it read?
6:48
